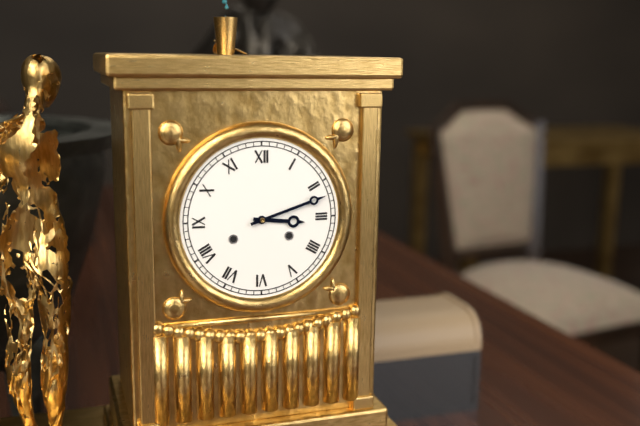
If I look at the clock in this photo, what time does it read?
3:12
